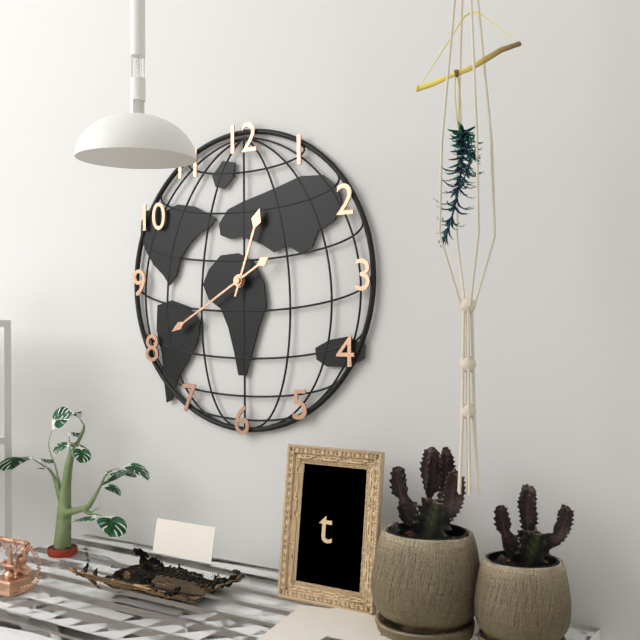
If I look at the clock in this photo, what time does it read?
12:40
